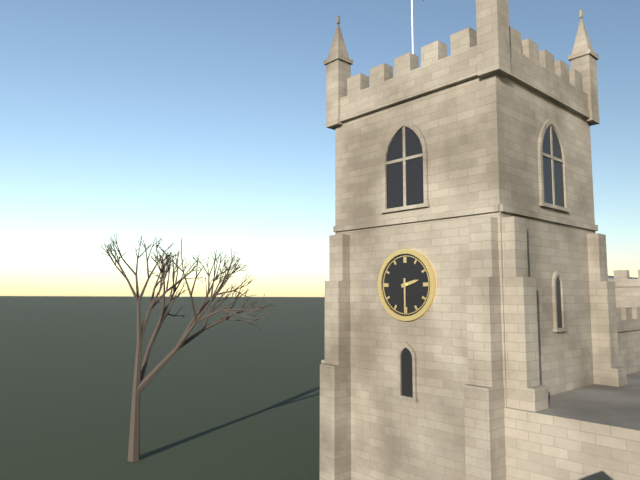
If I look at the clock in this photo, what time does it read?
2:30
